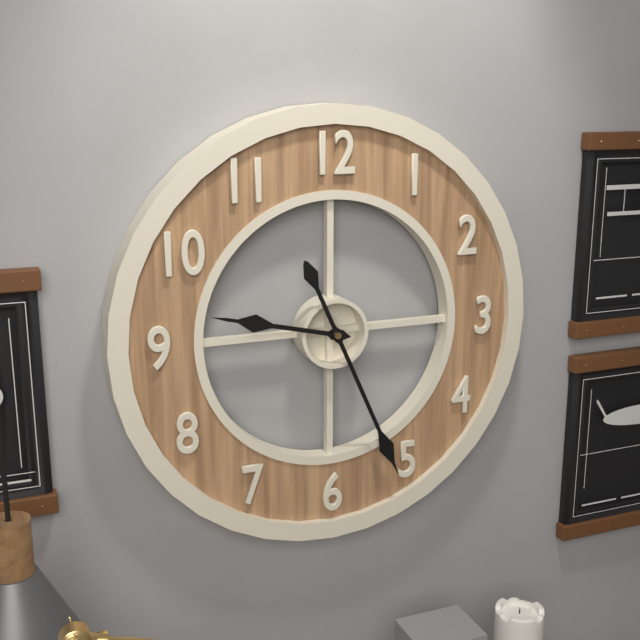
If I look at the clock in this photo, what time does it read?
9:26
